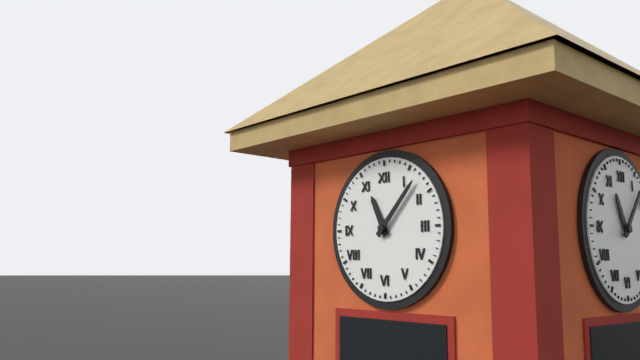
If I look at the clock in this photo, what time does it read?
11:07
